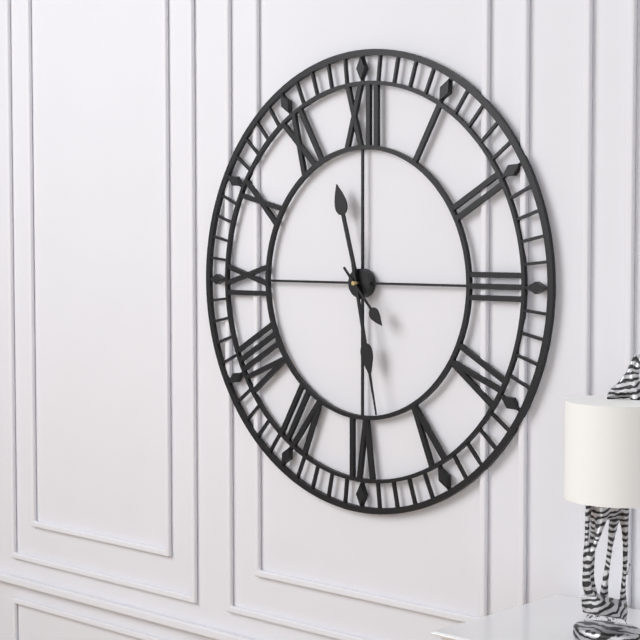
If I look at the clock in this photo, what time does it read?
11:28:23
